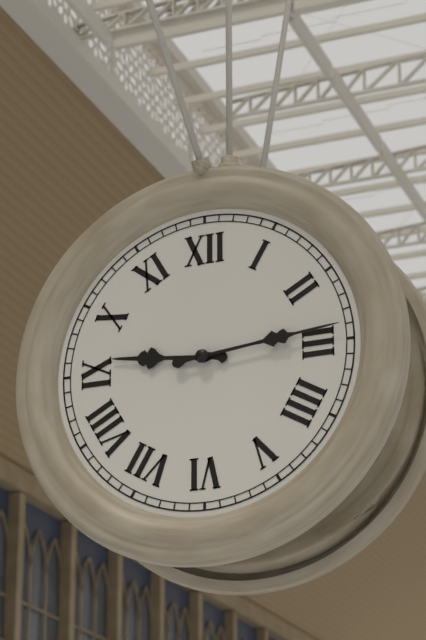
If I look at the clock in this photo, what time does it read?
9:14
